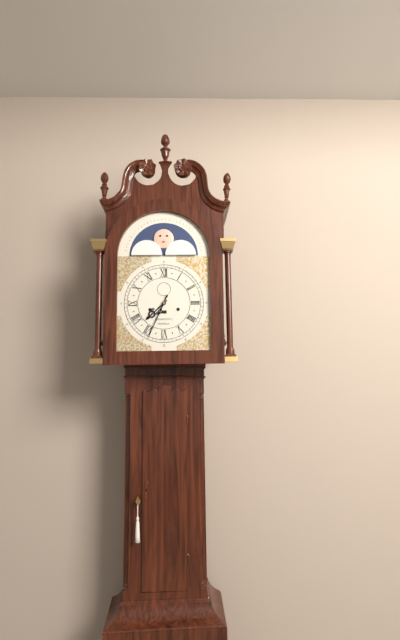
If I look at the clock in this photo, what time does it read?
7:34
